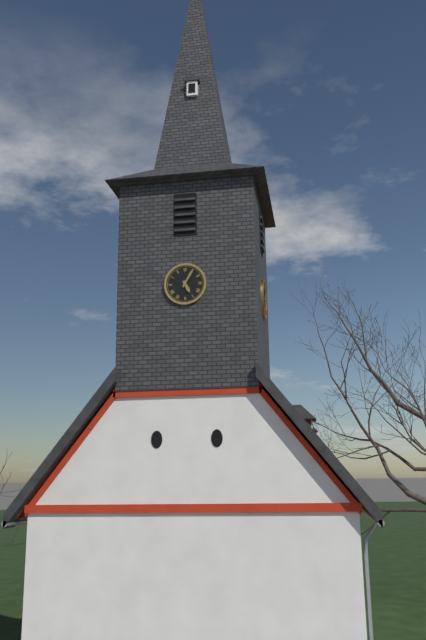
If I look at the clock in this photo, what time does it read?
5:05
